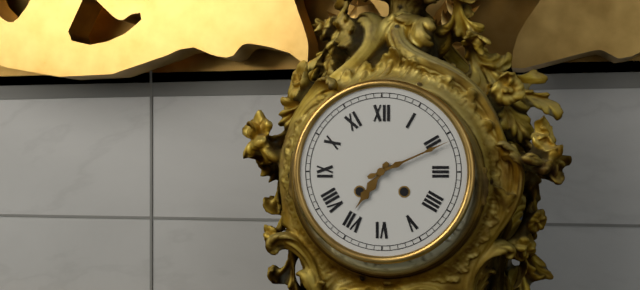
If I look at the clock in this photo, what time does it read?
7:11
